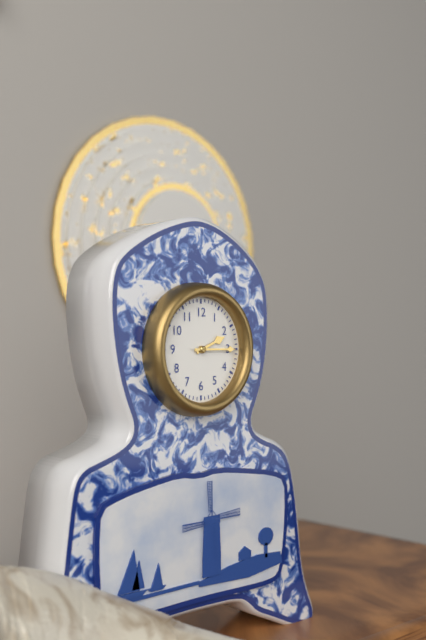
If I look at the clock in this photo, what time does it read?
2:15
